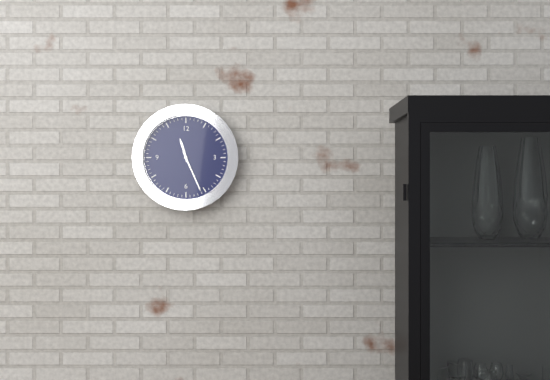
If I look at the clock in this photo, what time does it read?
11:26
